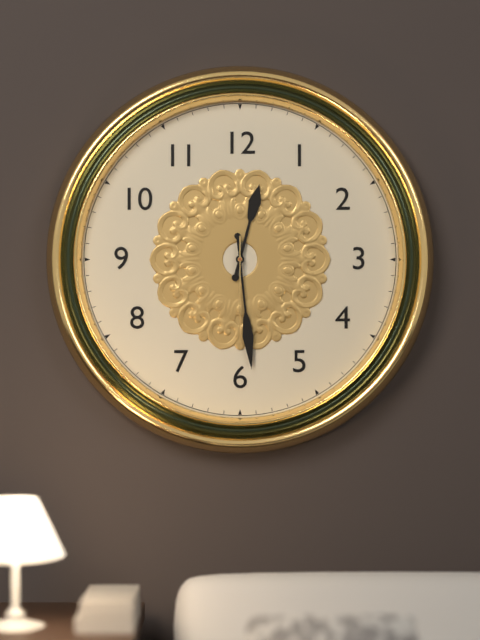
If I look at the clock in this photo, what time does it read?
12:29:30
